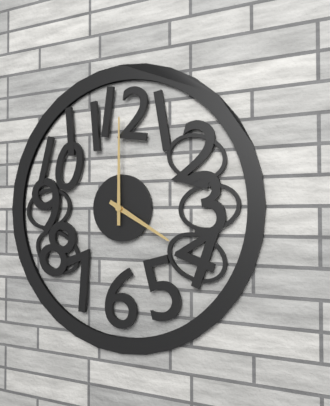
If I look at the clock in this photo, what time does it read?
4:00
